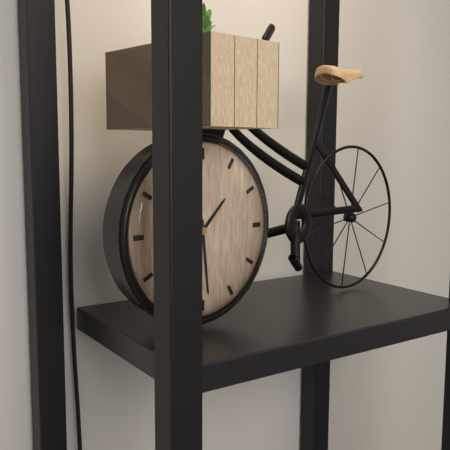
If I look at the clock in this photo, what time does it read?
1:29
